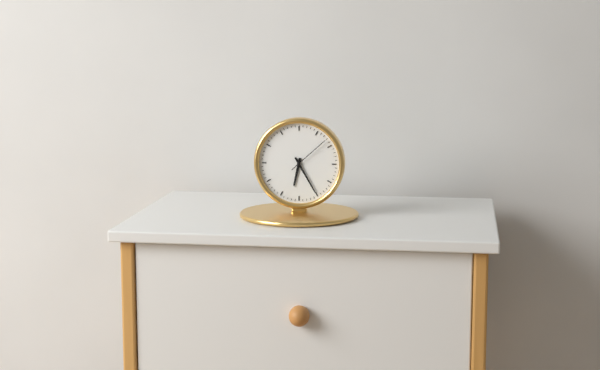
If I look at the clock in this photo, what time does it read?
6:25
